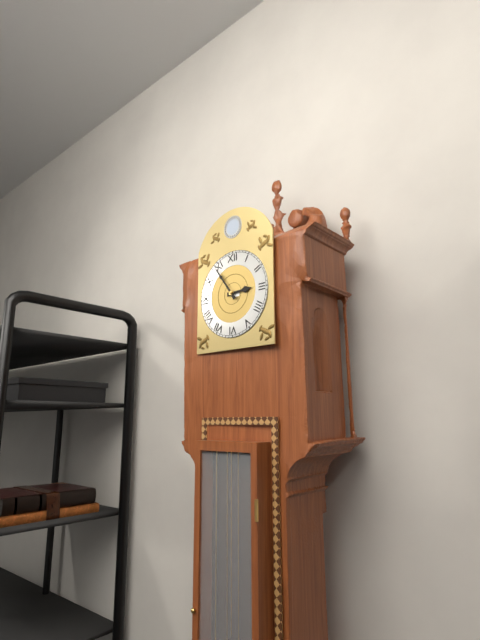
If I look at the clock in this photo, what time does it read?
2:54
